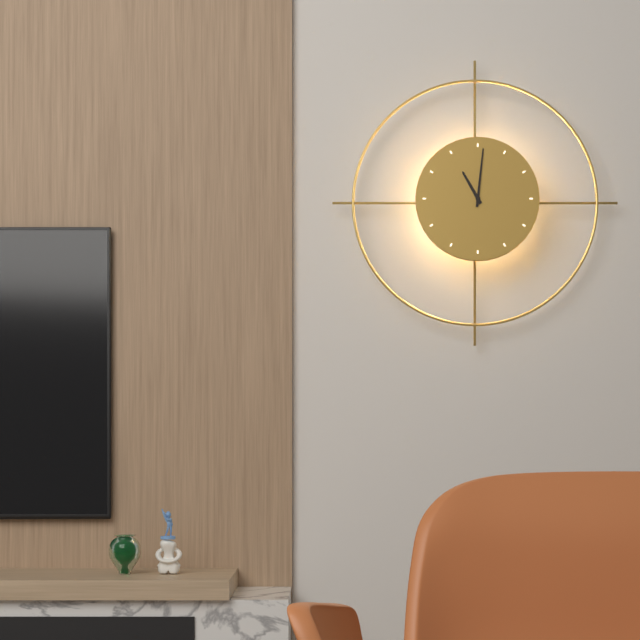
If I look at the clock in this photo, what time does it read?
11:01
